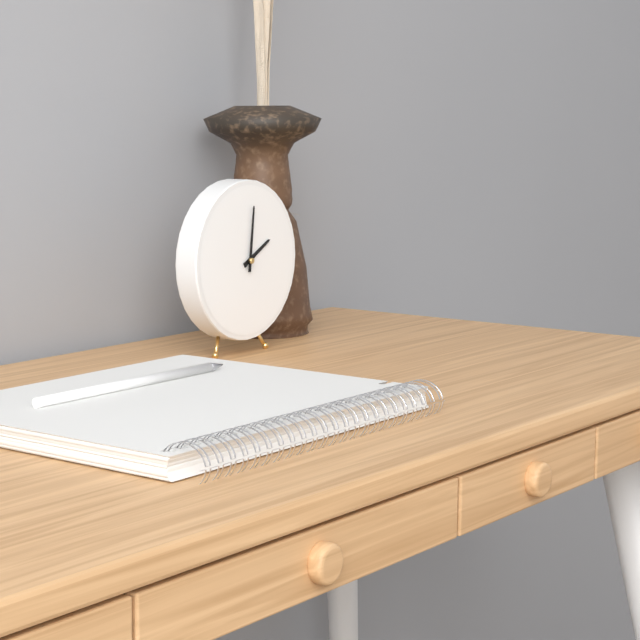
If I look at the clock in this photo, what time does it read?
2:01
